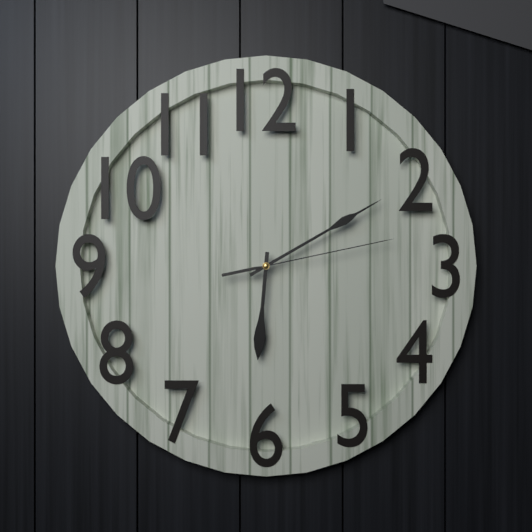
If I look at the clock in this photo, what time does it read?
6:10:13
